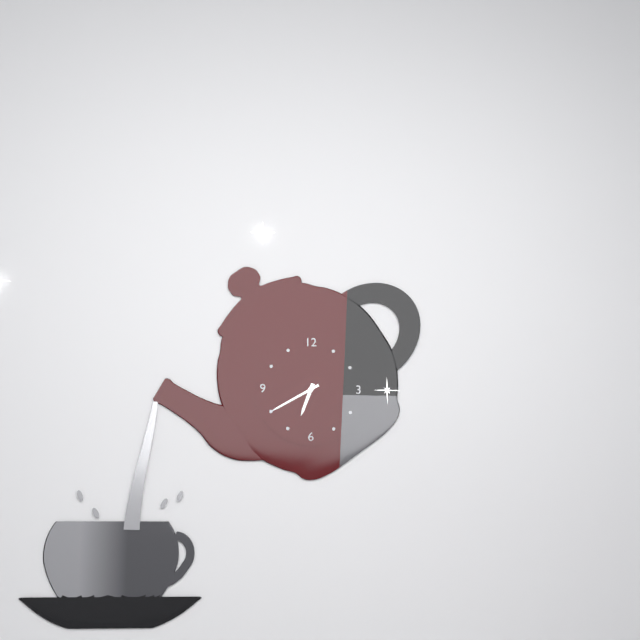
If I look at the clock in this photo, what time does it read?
6:40
